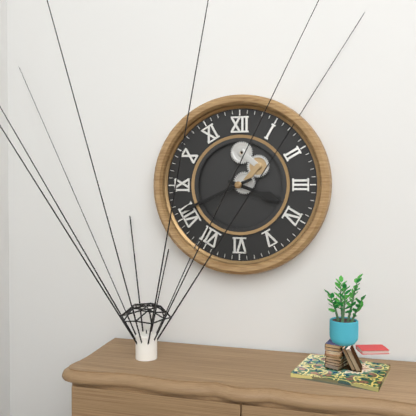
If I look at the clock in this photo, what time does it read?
3:41
